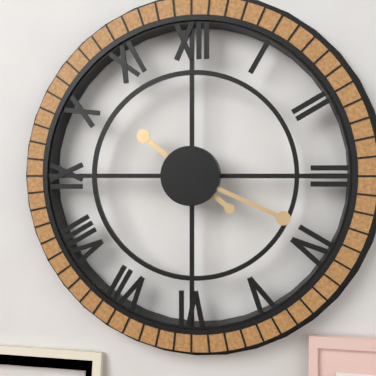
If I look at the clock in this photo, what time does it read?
10:19
